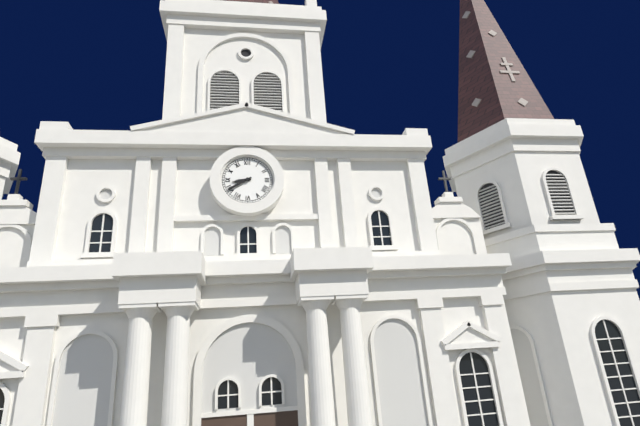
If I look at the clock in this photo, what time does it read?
8:40
